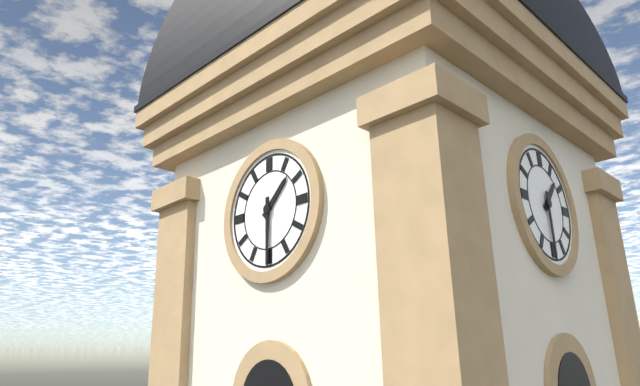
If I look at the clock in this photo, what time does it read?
1:30
